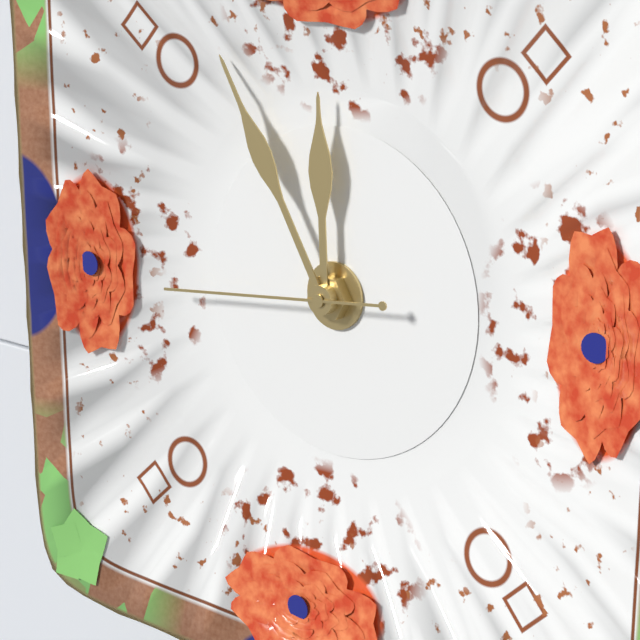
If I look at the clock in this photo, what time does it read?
11:55:44
